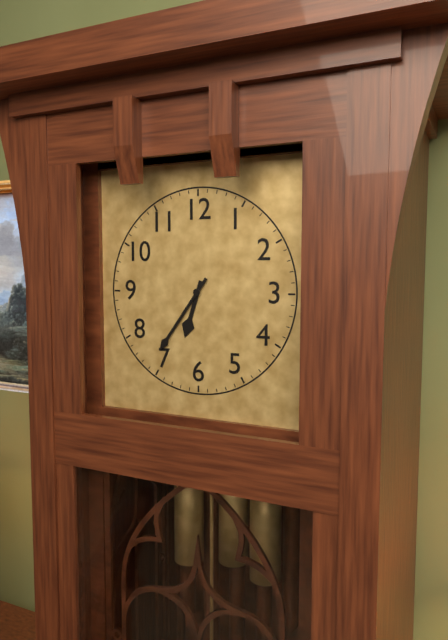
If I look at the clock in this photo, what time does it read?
6:36
